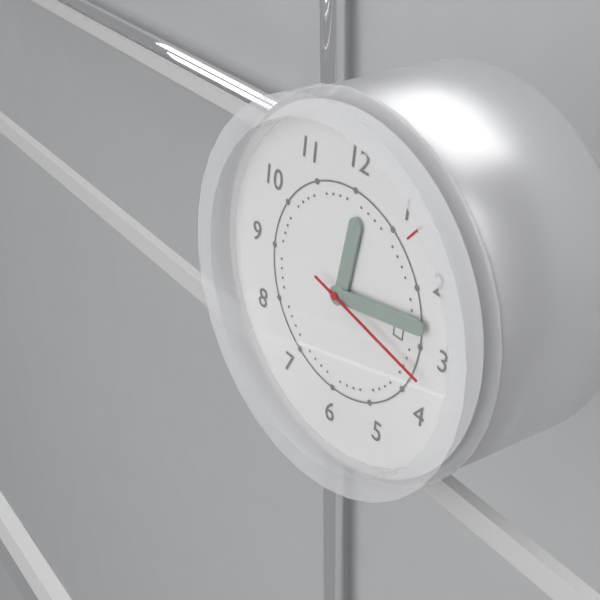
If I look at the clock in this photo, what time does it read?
12:13:17
